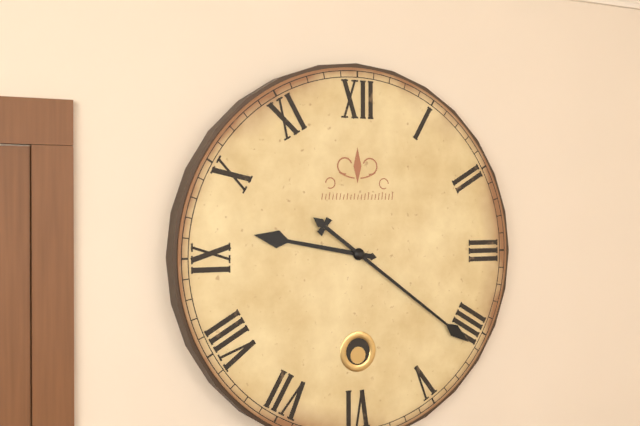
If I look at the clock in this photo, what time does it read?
9:21
